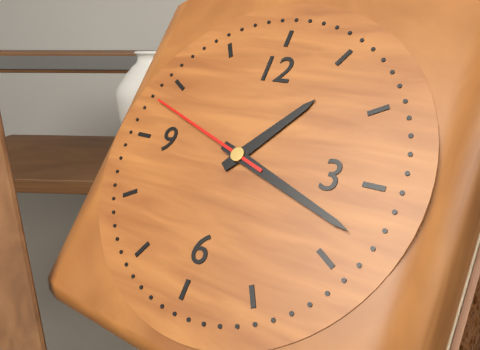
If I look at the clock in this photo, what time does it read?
1:18:48
